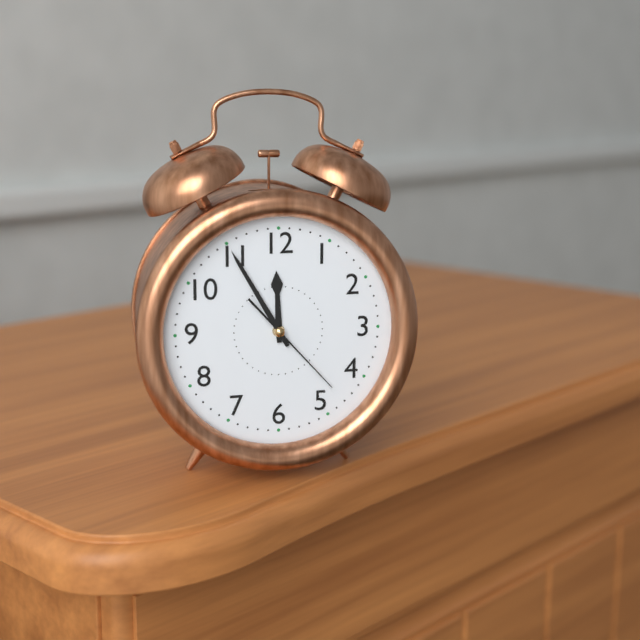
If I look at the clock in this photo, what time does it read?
11:55:23
